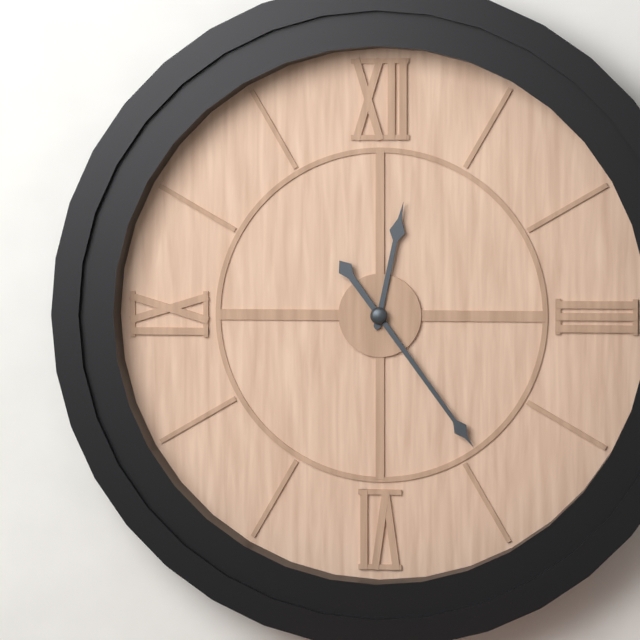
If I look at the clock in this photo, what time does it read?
12:24
